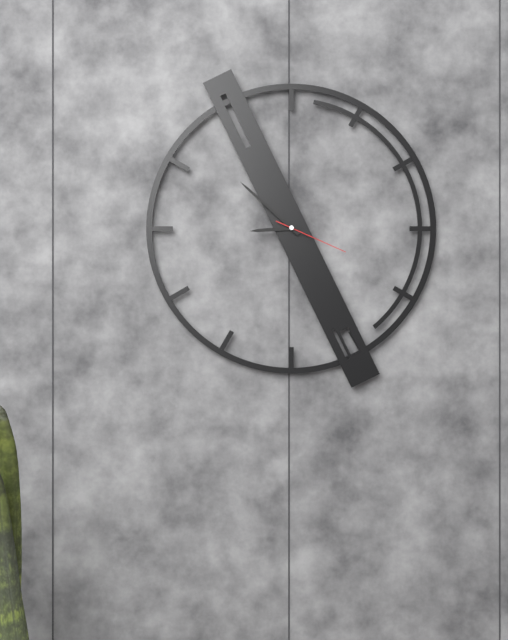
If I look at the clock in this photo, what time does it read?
8:52:19
